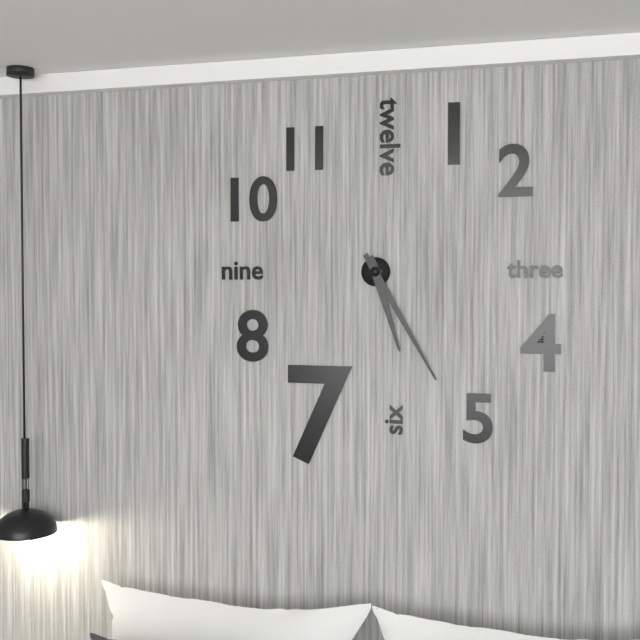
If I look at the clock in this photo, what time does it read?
5:25
